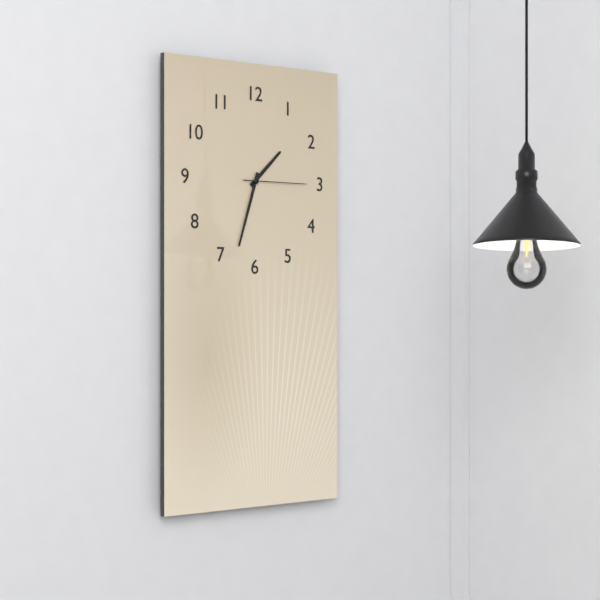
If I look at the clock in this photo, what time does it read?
1:33:15
